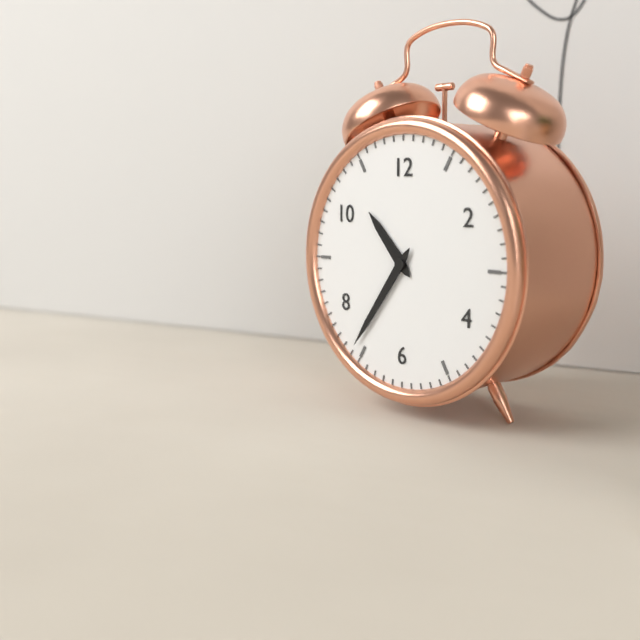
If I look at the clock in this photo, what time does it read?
10:36
